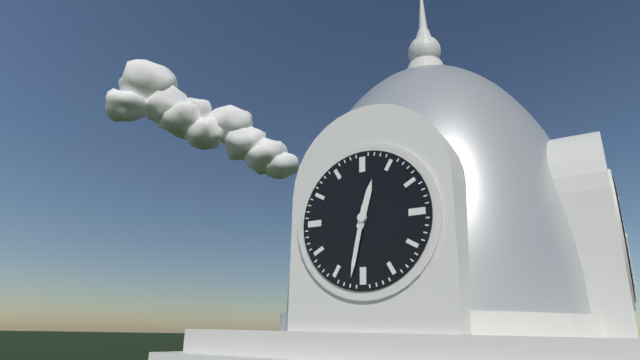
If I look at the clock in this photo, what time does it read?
12:32
